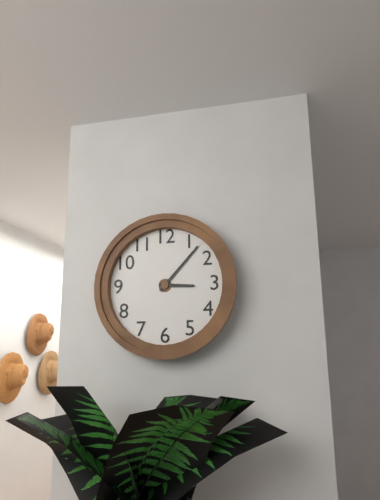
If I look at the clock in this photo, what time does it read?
3:07
